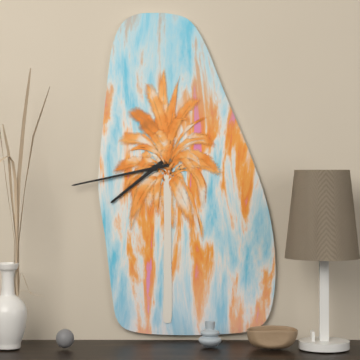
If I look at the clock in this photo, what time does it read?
7:43
